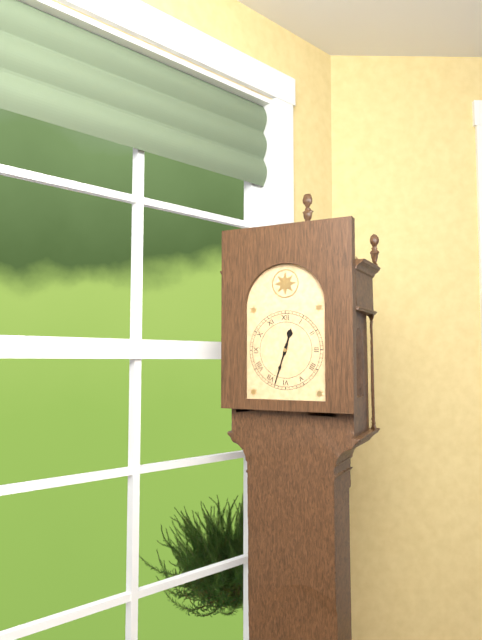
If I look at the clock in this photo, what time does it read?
12:33
